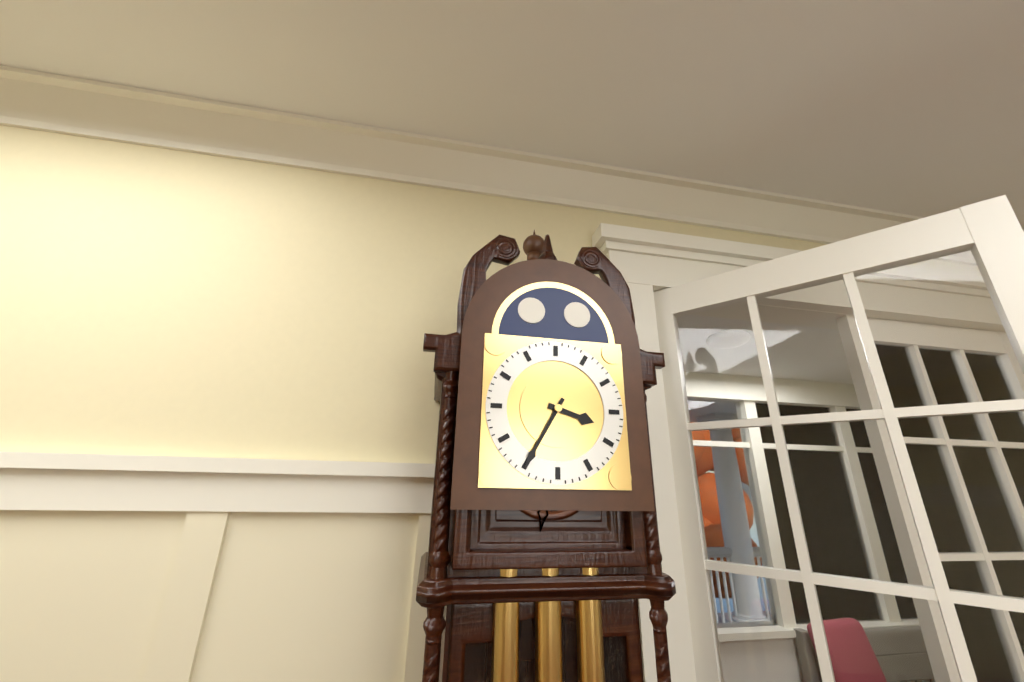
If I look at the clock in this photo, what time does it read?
3:35
